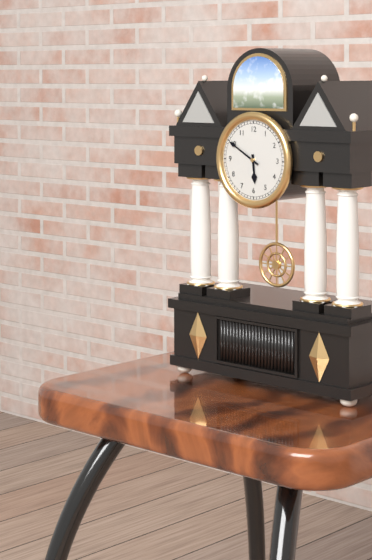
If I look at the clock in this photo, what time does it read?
5:50
